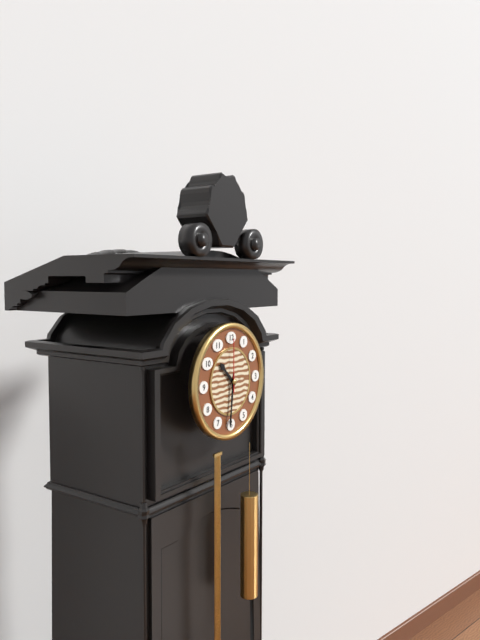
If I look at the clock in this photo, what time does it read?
10:31:00
